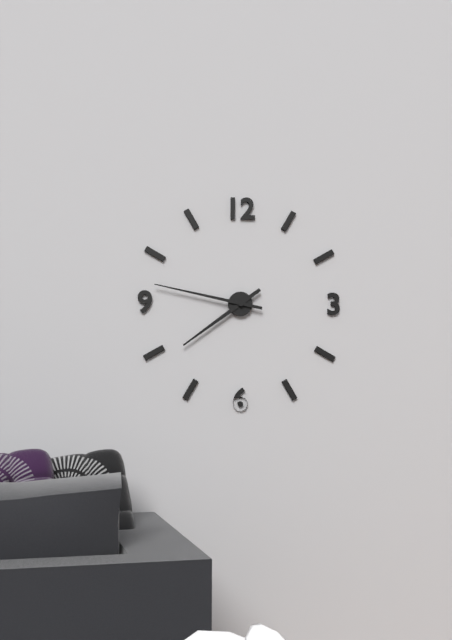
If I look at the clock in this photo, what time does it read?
7:47
